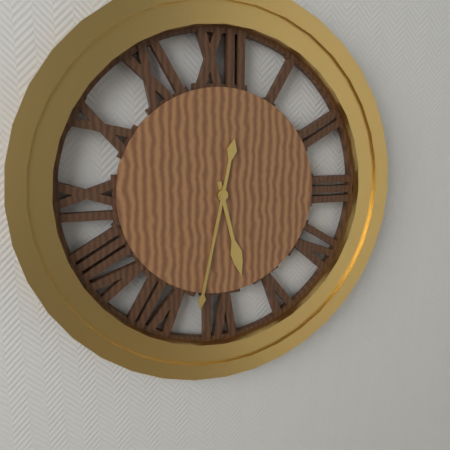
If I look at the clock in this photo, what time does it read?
5:32
